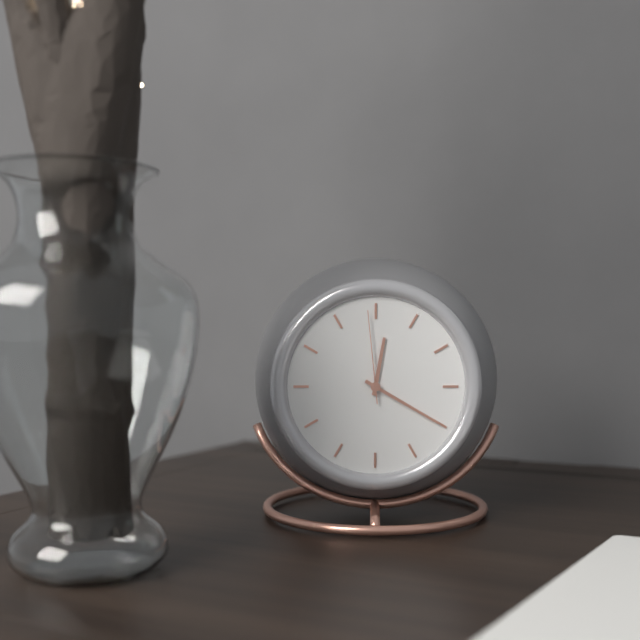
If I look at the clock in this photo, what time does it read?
12:20:59
